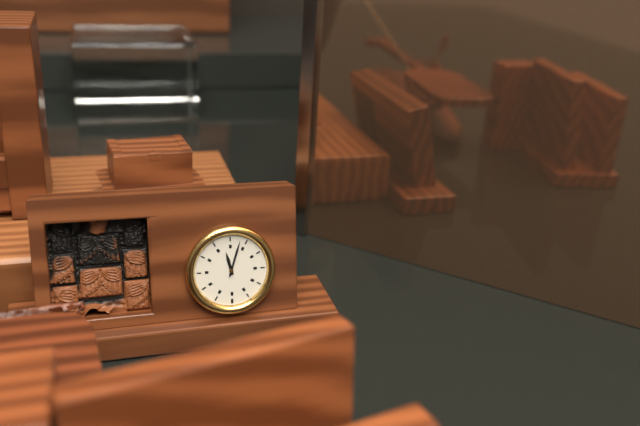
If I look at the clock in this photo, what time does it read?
5:33
